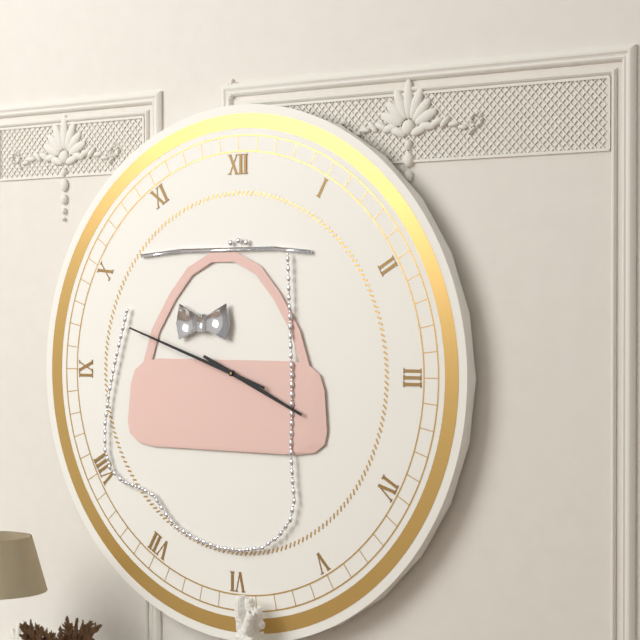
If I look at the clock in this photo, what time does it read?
3:48
